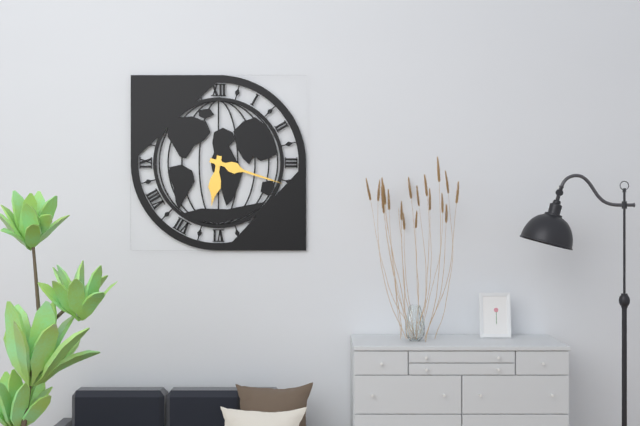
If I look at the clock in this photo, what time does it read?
6:18
